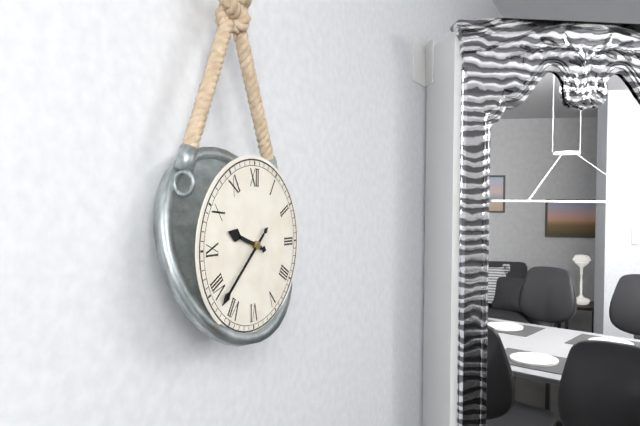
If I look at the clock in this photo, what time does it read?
9:38
